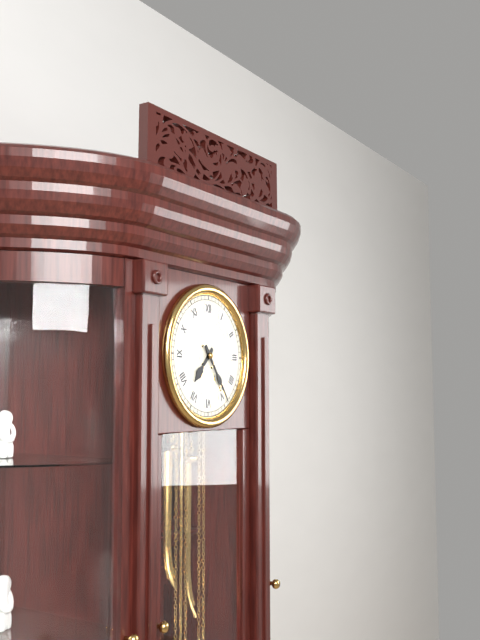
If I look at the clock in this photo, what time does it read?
7:24
